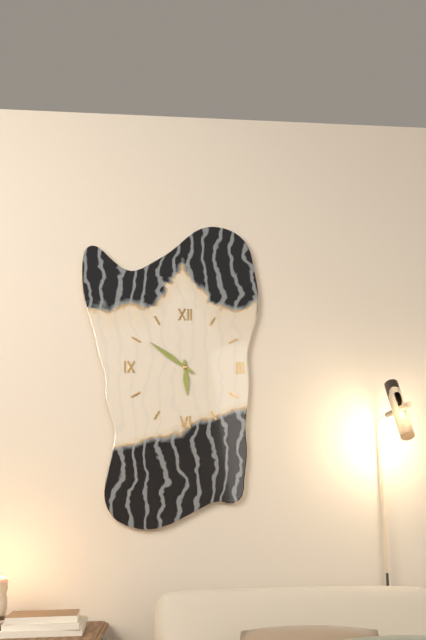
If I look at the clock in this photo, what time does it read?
5:51
